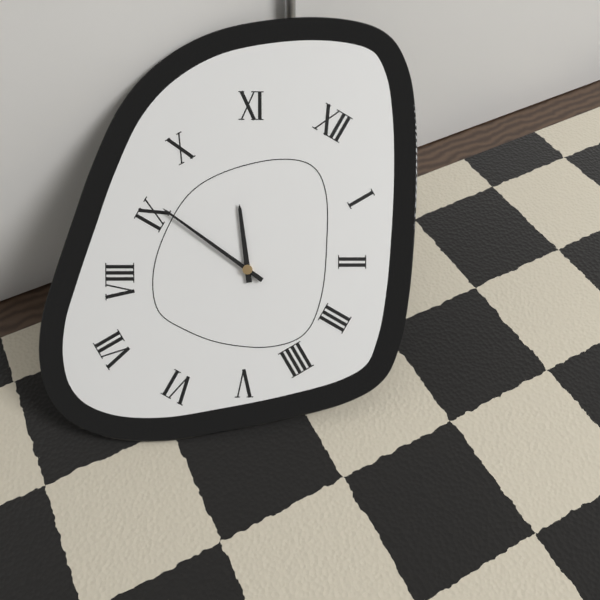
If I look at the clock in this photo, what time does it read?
10:46
